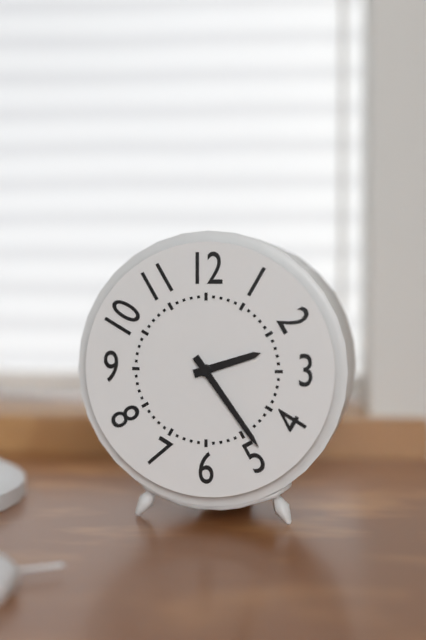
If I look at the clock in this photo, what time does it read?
2:24
